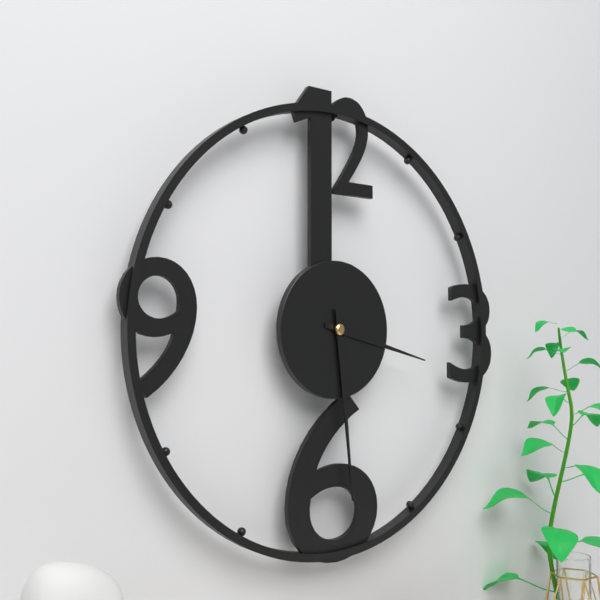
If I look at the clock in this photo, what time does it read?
3:29
